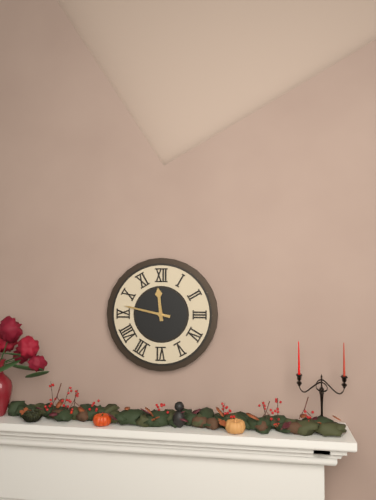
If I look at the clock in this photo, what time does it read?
11:47
